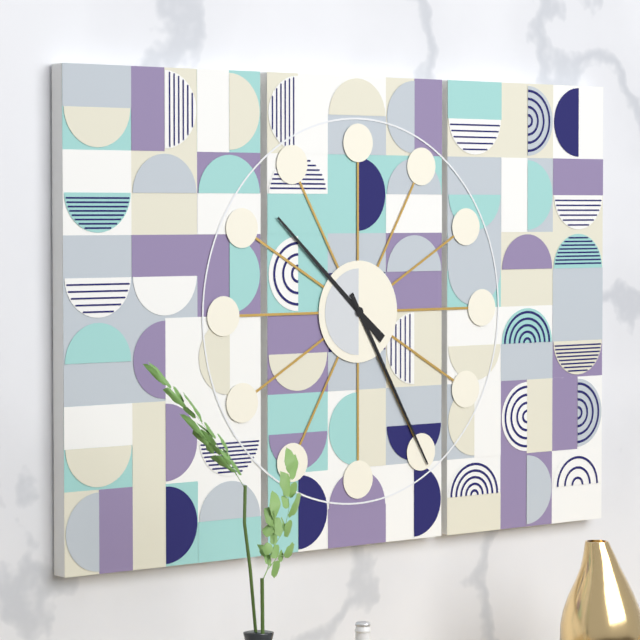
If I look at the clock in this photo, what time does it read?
10:25
